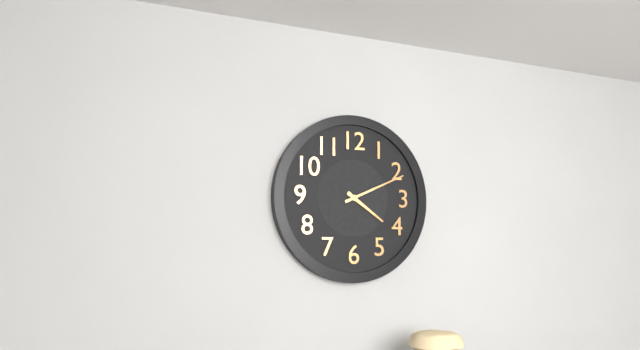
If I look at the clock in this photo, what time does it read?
4:11
